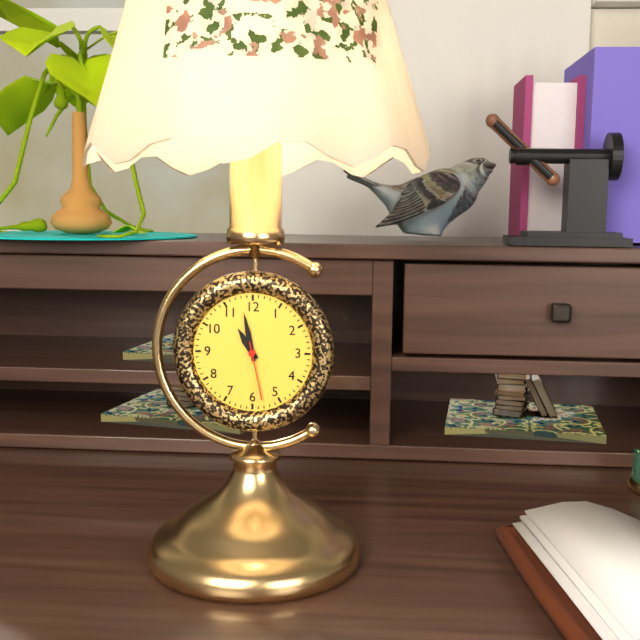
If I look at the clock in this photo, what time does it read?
10:58:28
